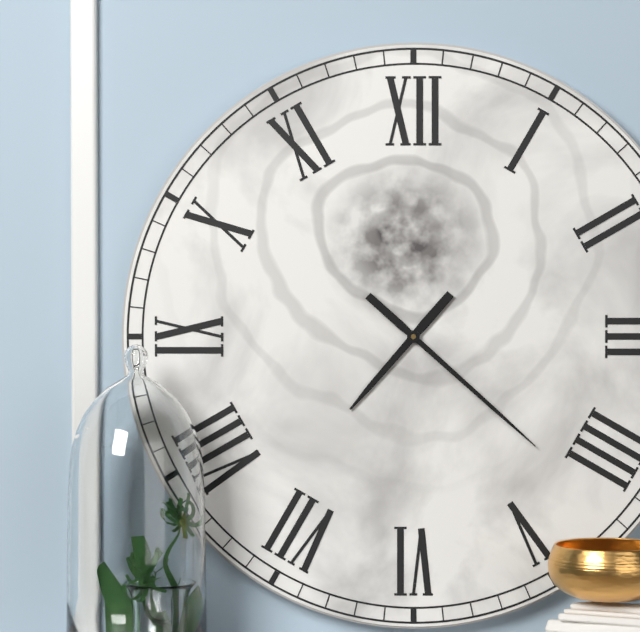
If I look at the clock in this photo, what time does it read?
7:22
